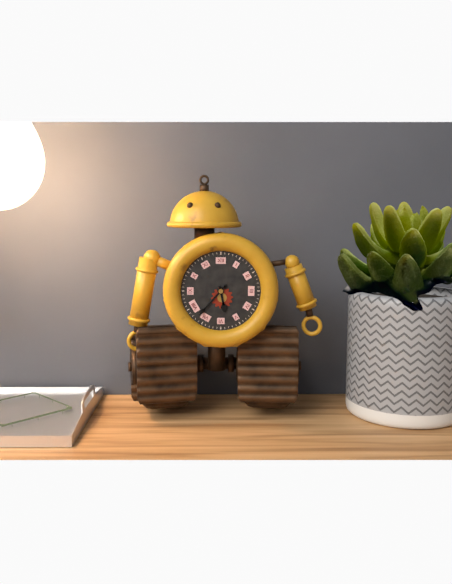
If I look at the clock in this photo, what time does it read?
5:37
